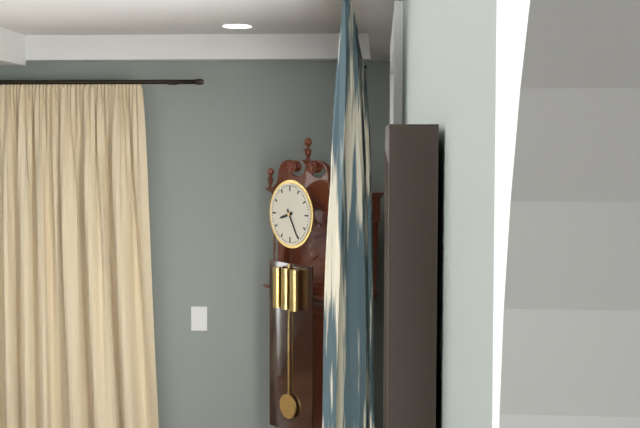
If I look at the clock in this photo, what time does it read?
8:25
